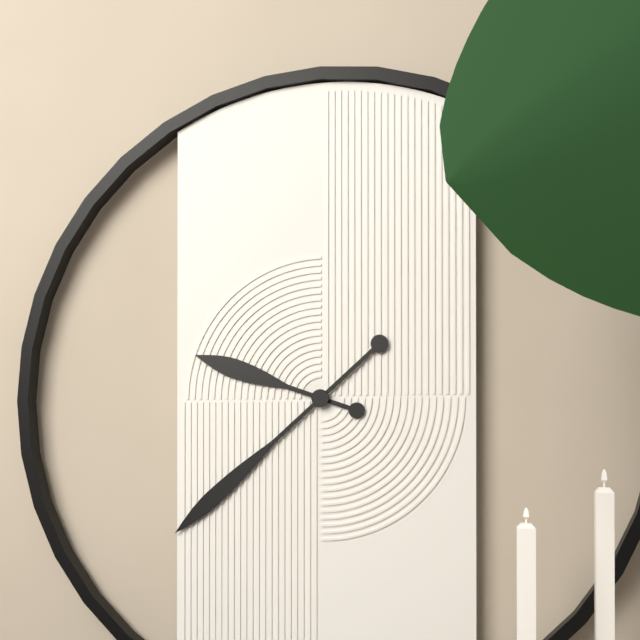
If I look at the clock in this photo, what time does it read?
9:38
